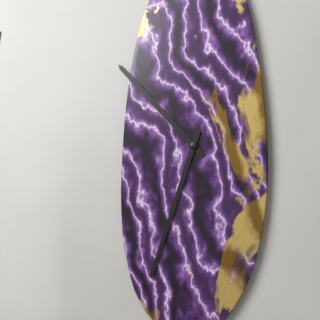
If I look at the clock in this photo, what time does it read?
10:33
